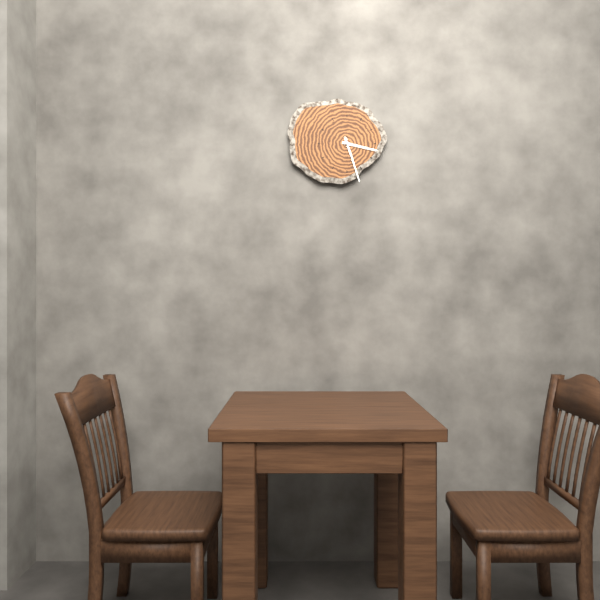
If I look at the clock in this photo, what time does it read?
3:27
